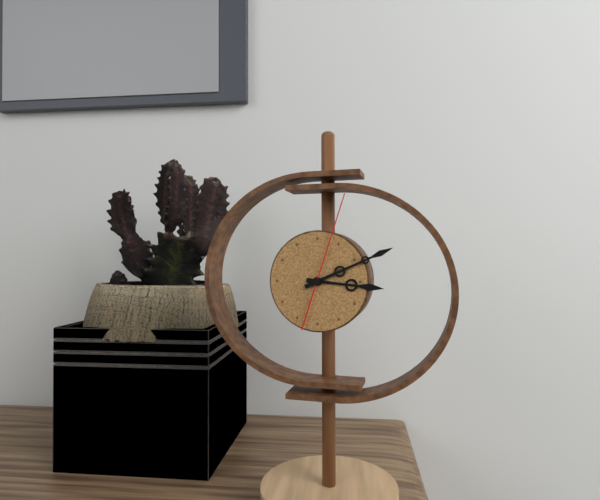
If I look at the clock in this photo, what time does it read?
3:11:03
